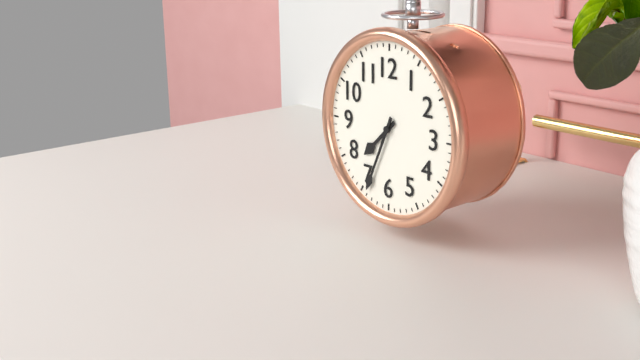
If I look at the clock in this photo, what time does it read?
7:34
